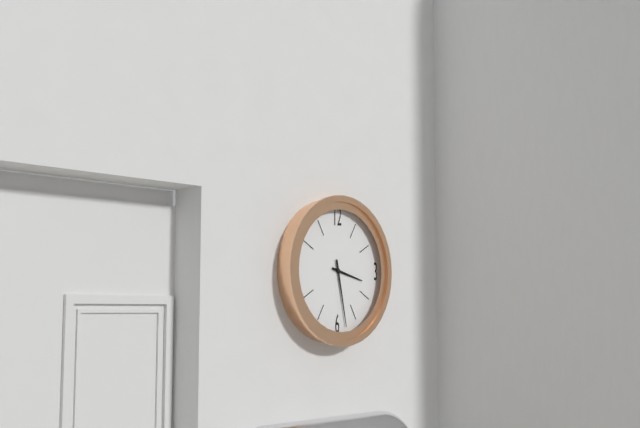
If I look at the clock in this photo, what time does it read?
3:28
